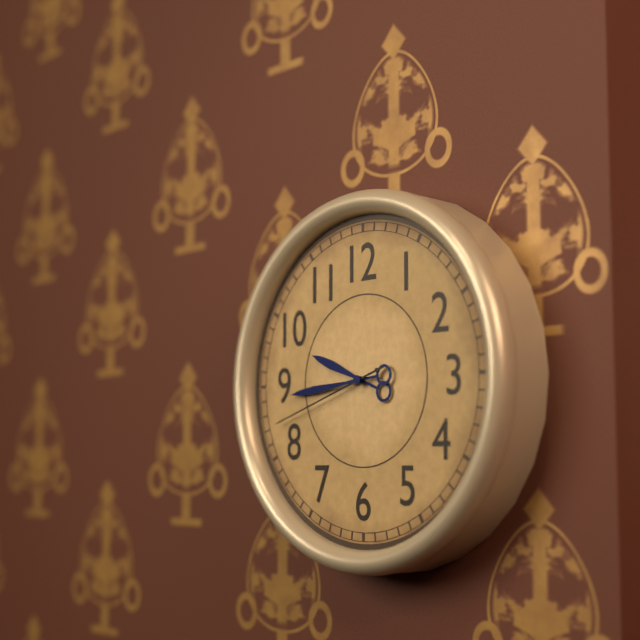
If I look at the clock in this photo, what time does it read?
9:44:42
